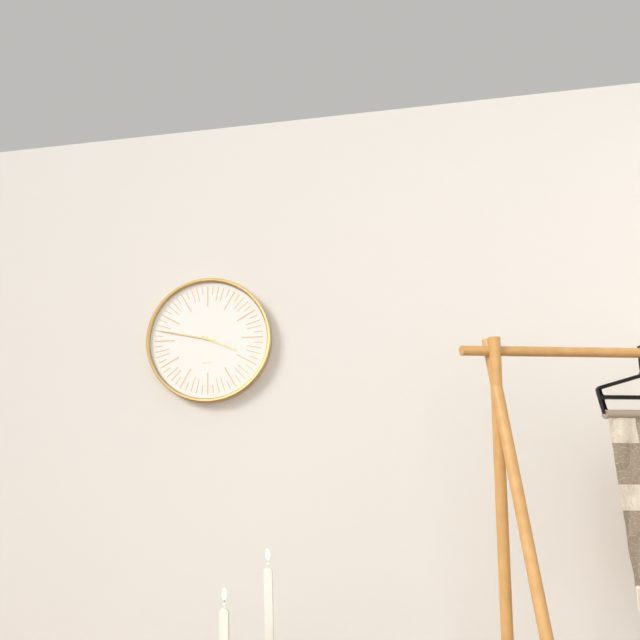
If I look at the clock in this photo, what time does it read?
3:47
